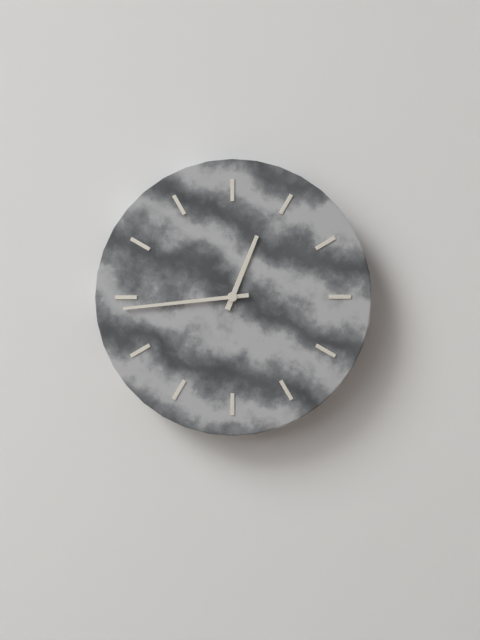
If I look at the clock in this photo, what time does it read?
12:44
